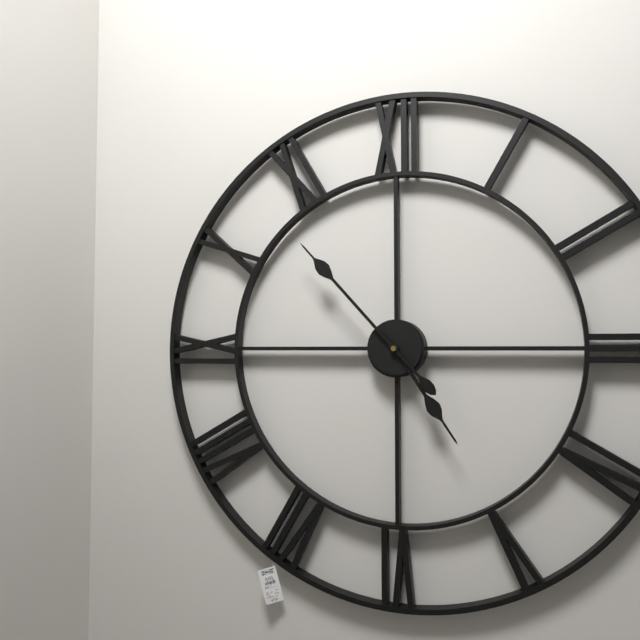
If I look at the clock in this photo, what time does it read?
4:53
